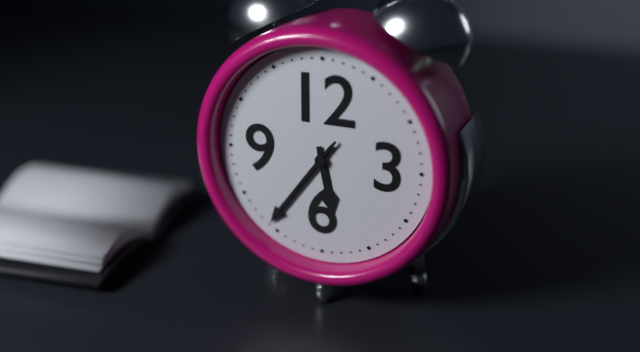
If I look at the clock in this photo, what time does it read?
5:36:36
